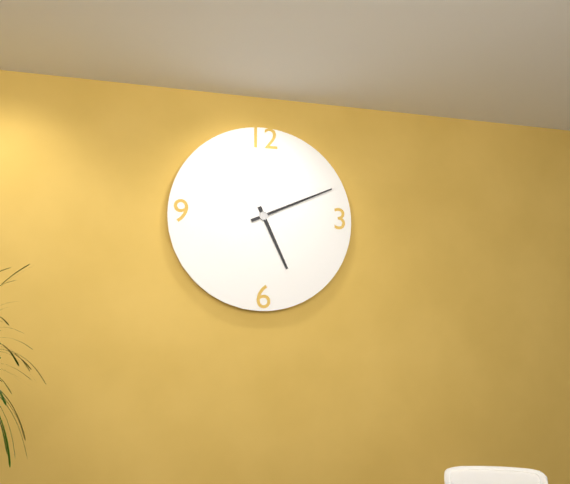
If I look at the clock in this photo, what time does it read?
5:11
